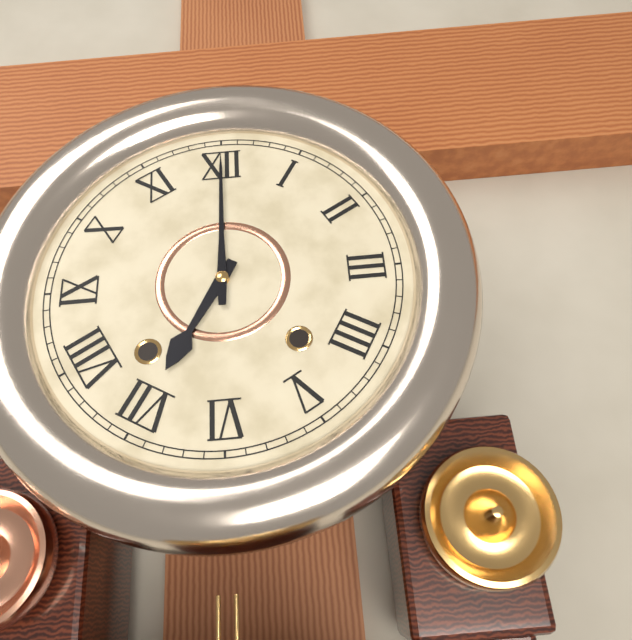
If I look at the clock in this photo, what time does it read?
7:00
